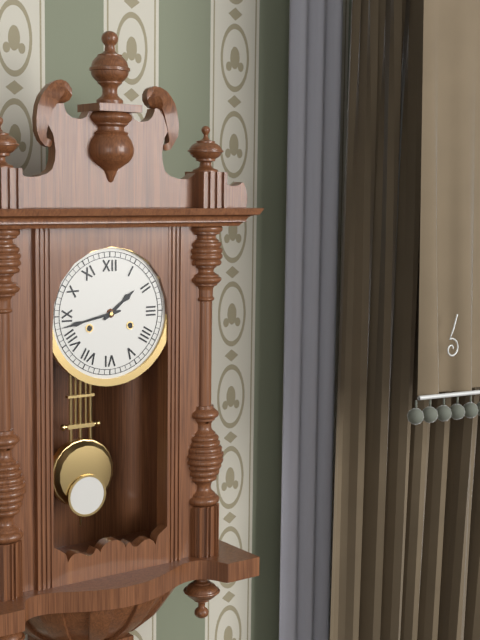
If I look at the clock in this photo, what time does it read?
1:43
